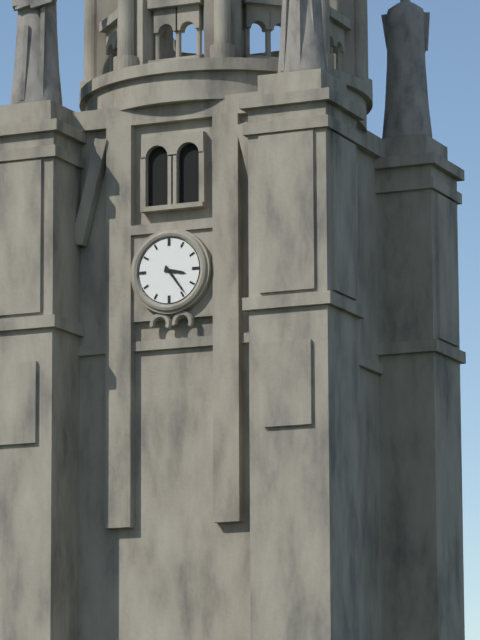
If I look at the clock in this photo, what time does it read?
3:24
